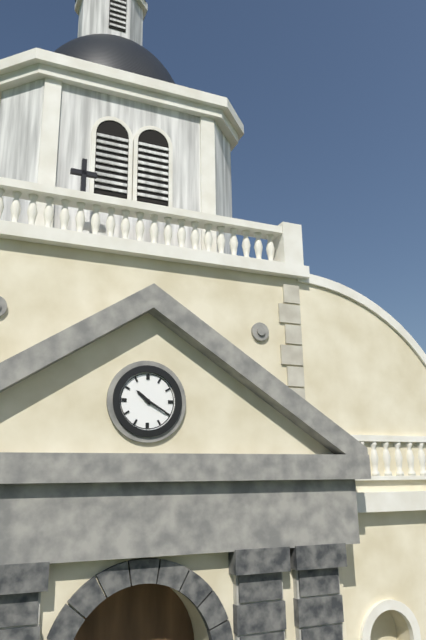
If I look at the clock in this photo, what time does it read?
10:20
